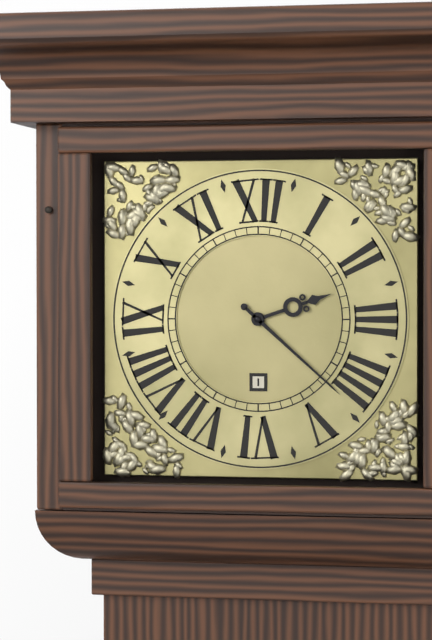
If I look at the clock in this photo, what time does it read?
2:22
